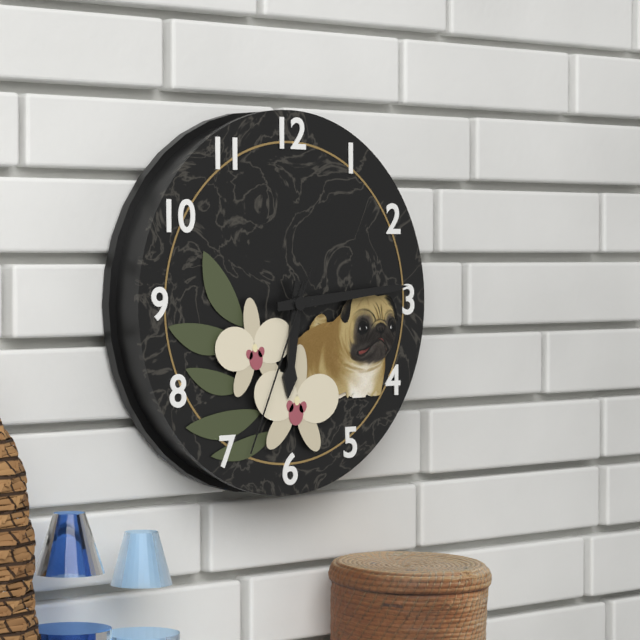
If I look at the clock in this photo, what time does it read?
6:14:34
